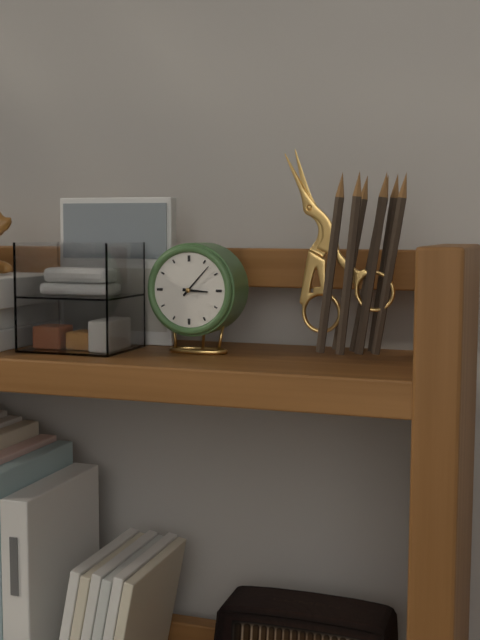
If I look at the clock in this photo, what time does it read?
3:07
